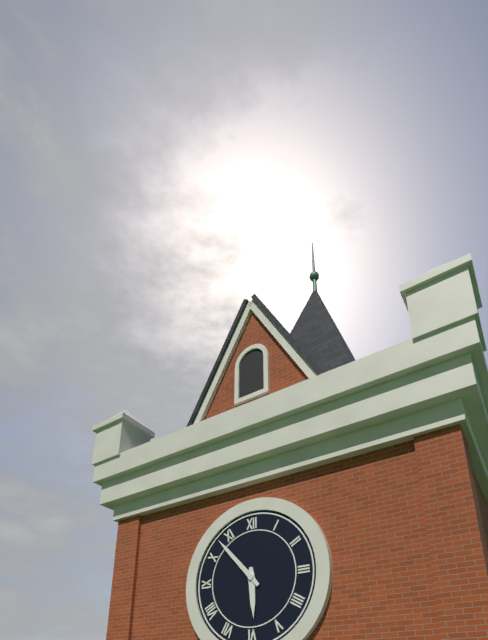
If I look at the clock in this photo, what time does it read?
5:53
